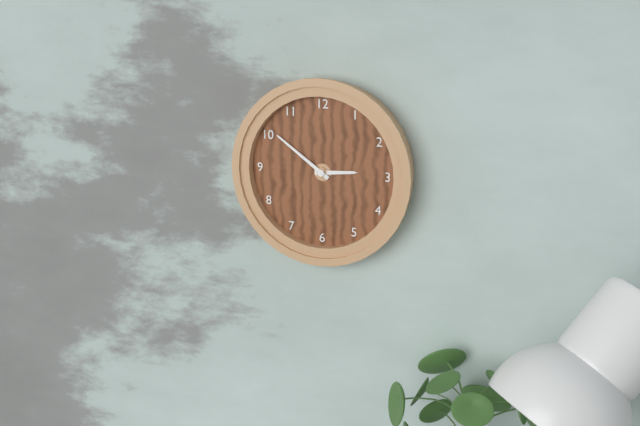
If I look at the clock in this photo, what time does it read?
2:51
